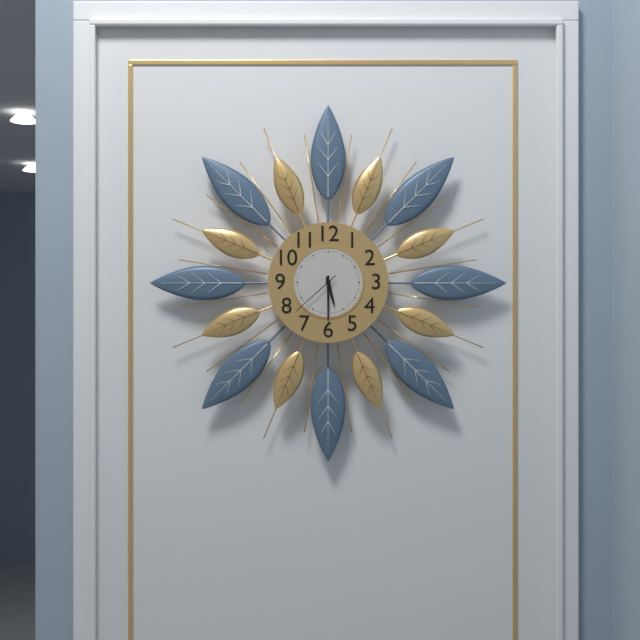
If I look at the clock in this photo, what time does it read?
5:30:38
